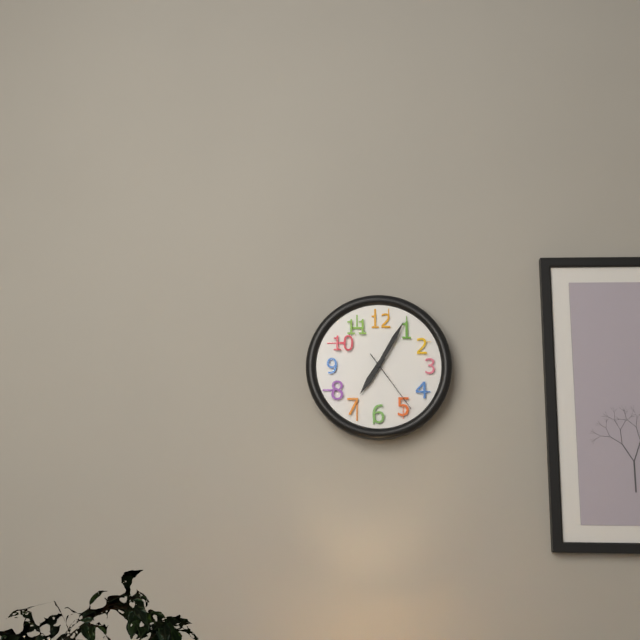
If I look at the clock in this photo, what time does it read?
7:05:24
